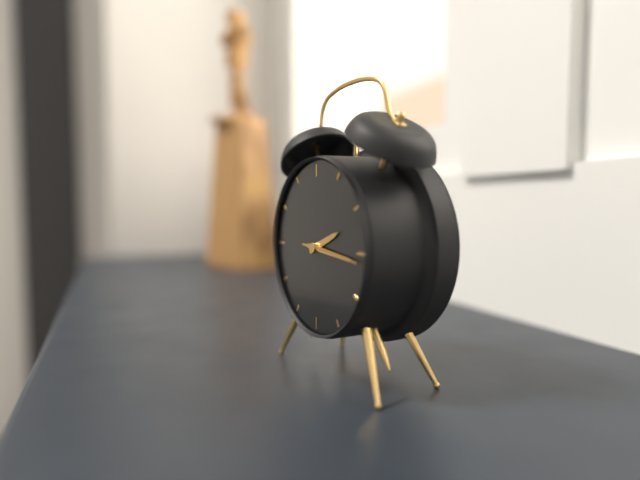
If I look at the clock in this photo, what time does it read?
2:16:16
